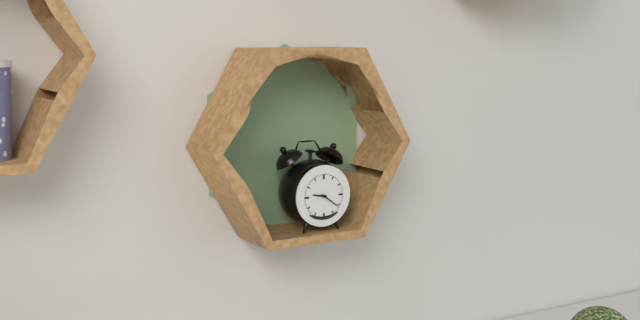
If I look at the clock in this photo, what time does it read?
9:21
